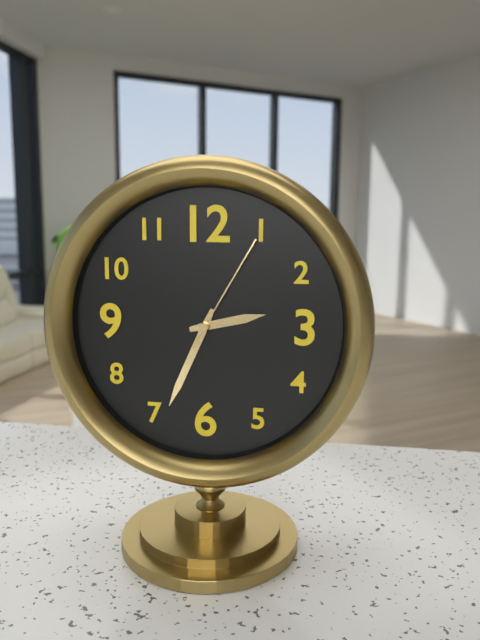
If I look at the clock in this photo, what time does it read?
2:34:05
